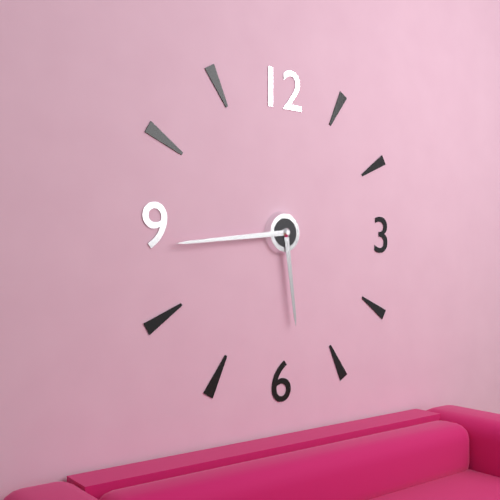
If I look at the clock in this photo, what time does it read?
5:44
